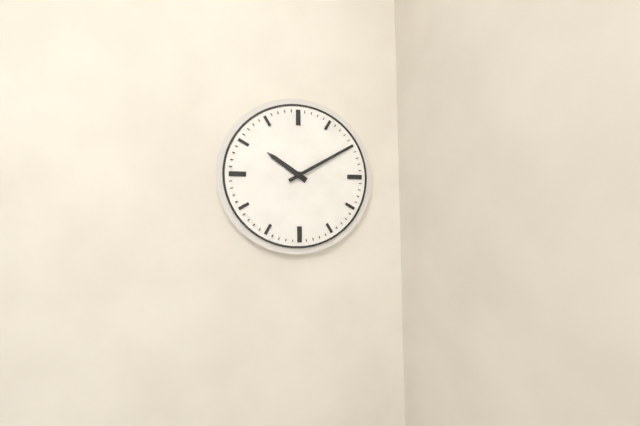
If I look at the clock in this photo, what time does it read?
10:10
